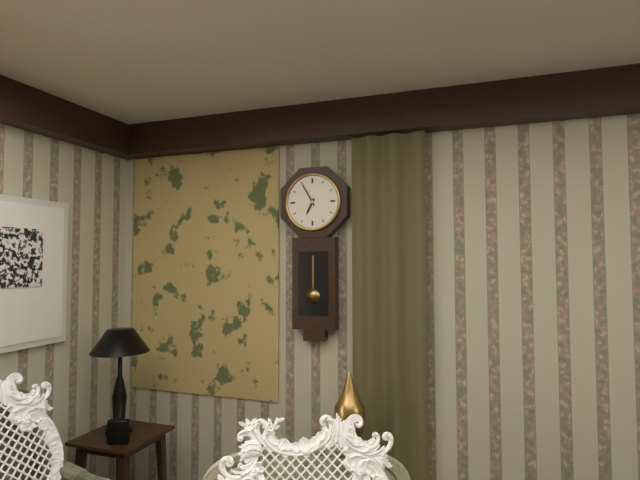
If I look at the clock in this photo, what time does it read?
6:55
